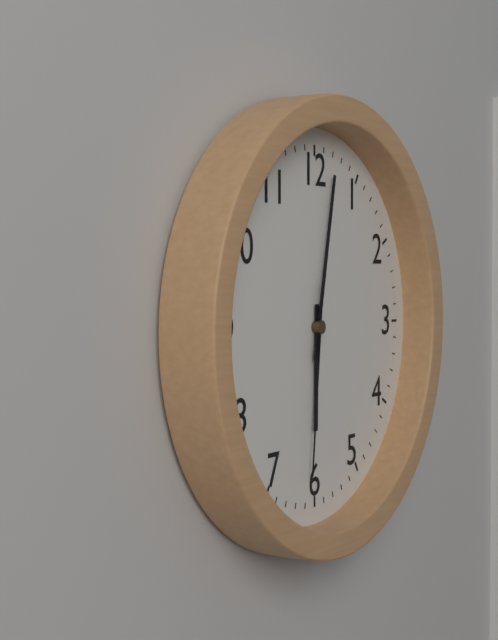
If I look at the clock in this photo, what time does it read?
6:02:31
